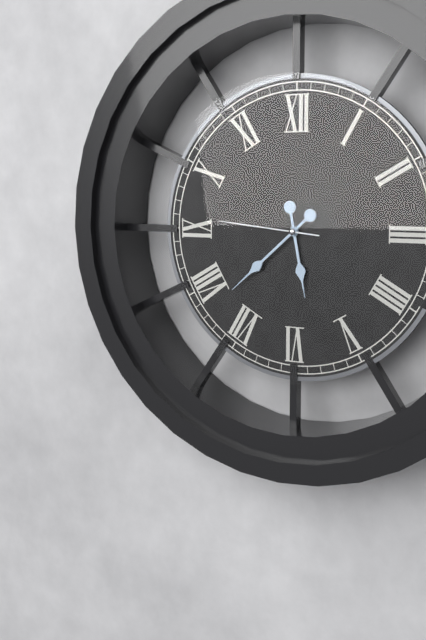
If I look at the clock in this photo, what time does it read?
5:38:46
